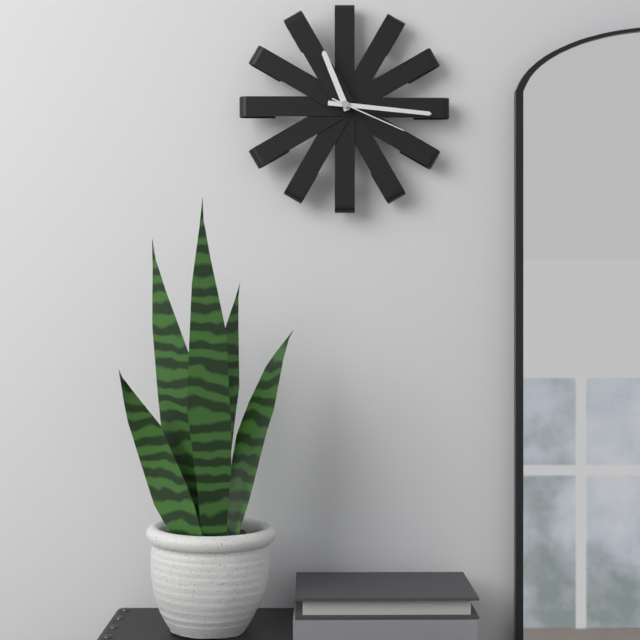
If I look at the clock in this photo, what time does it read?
11:16:19
